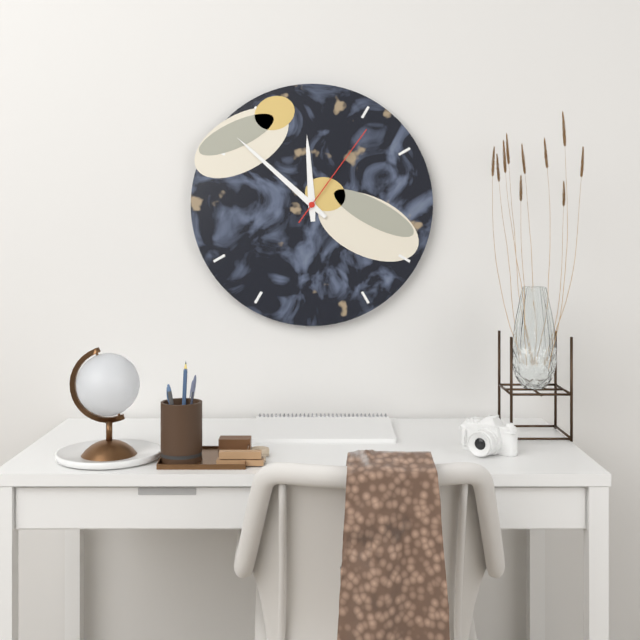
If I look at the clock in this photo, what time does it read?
11:52:06
